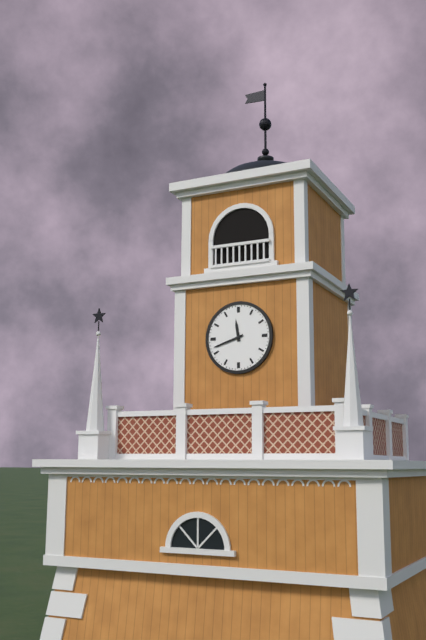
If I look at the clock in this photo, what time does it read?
11:42
